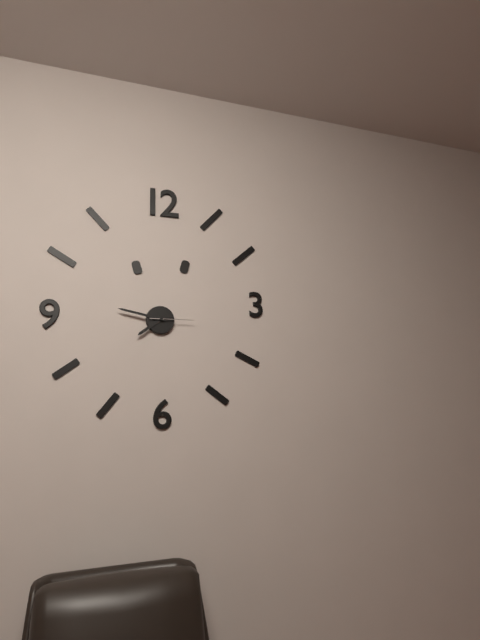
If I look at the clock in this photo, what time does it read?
7:47
